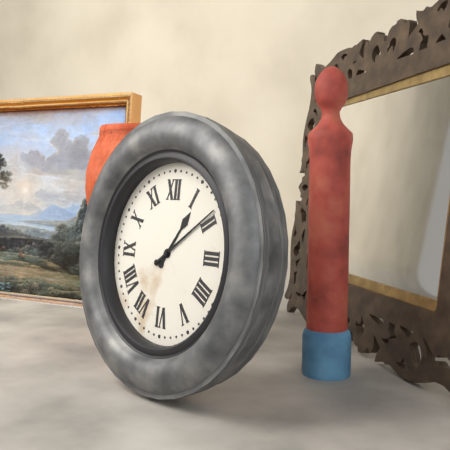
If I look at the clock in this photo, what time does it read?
1:09
